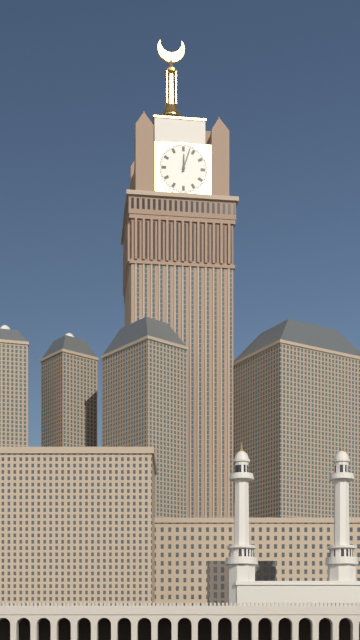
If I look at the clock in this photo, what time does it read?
12:03
